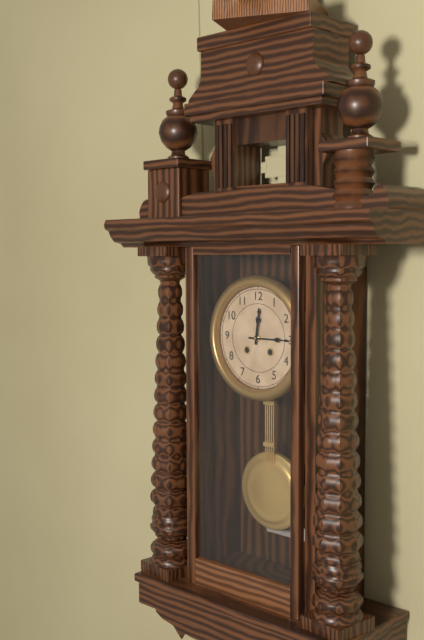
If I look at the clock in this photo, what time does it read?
12:15
